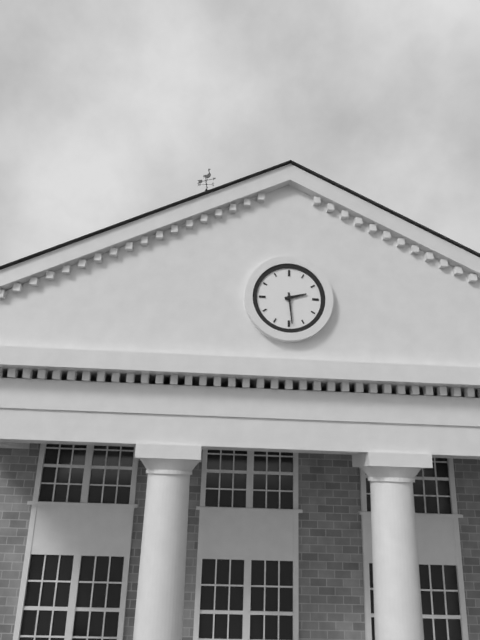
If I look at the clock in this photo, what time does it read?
2:29
